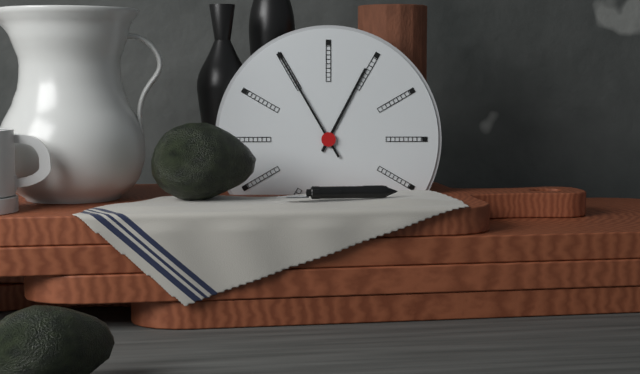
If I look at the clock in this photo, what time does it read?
12:55
